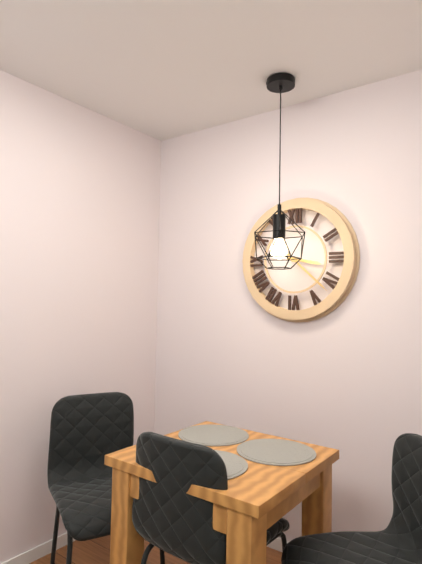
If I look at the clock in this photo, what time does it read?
3:22
